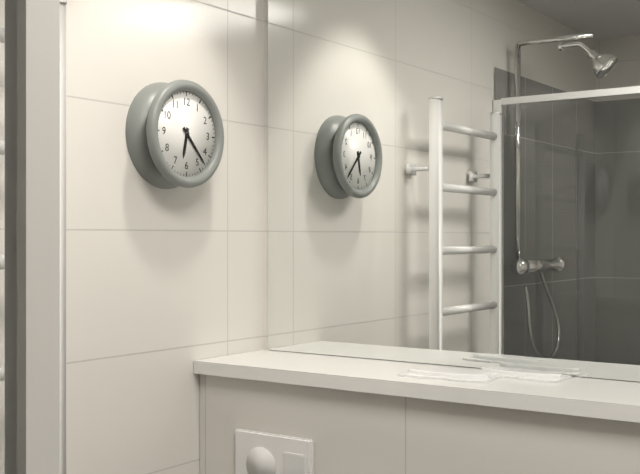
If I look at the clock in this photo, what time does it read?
6:23
